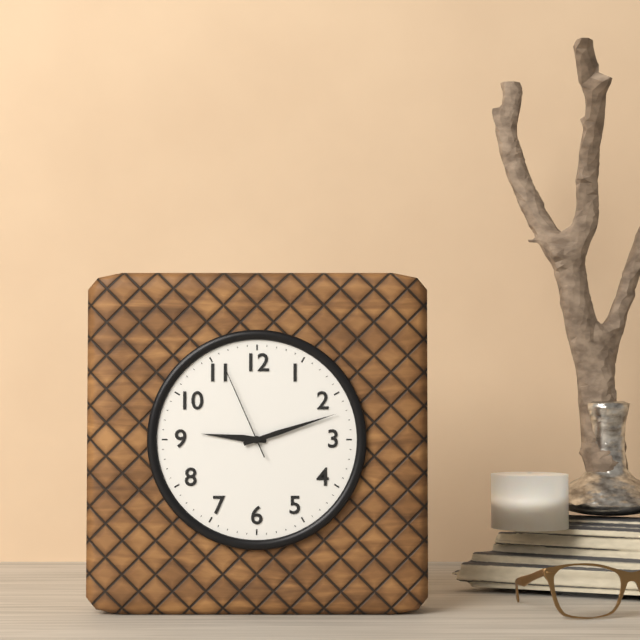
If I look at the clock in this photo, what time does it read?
9:12:56
